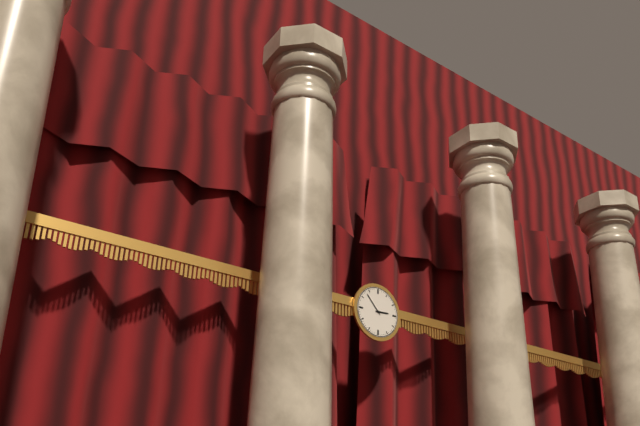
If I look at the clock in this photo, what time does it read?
2:53
